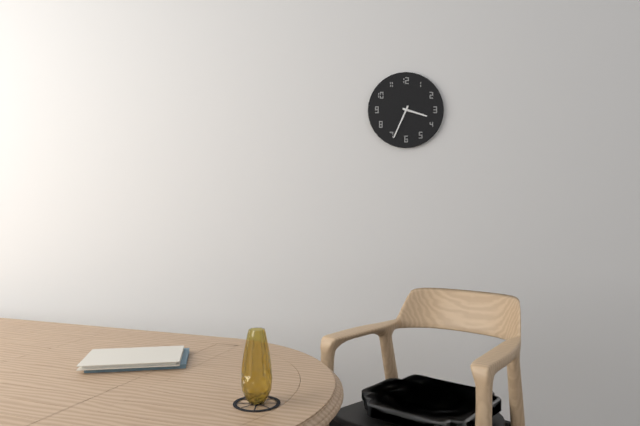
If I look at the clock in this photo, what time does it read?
3:34
